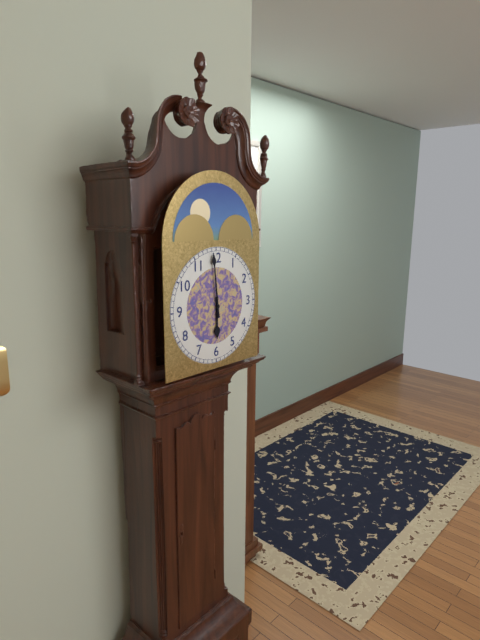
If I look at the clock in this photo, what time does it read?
5:59
